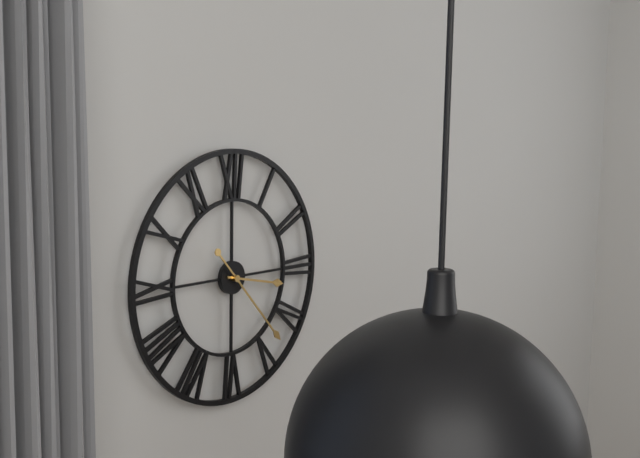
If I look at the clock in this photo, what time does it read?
3:23
